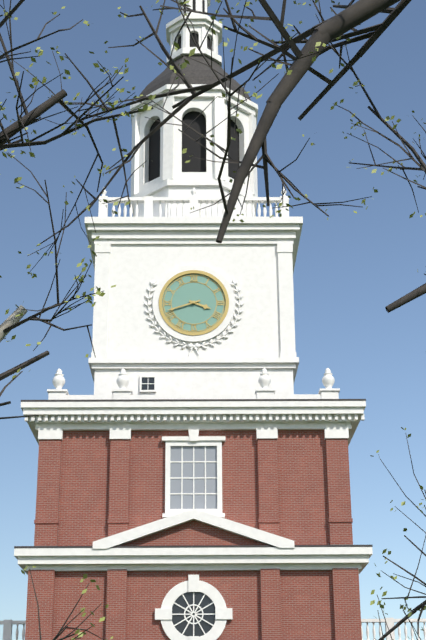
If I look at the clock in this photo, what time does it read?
3:42
